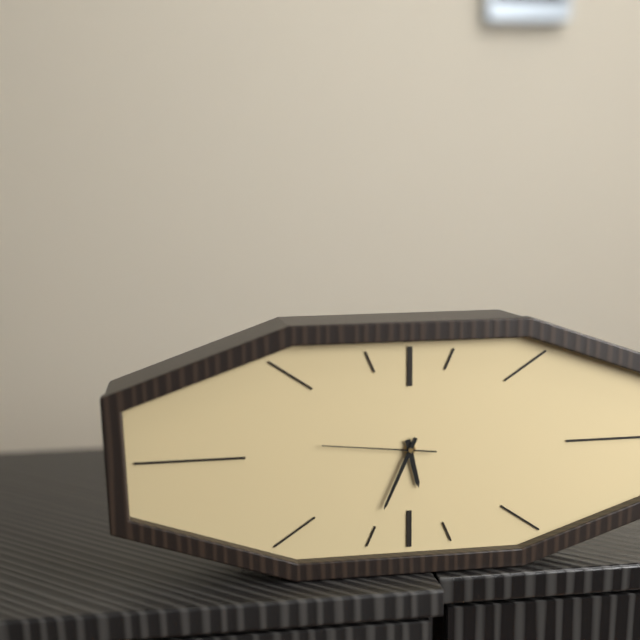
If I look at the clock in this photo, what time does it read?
5:34:46
